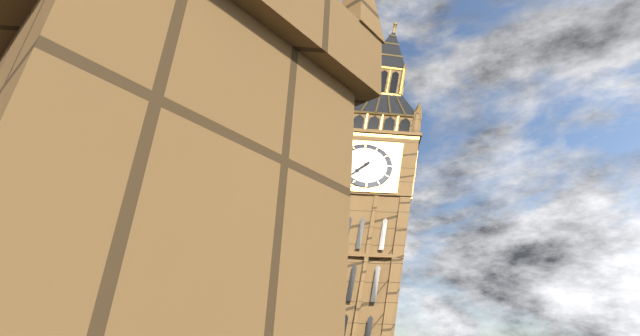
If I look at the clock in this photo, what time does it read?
7:38
